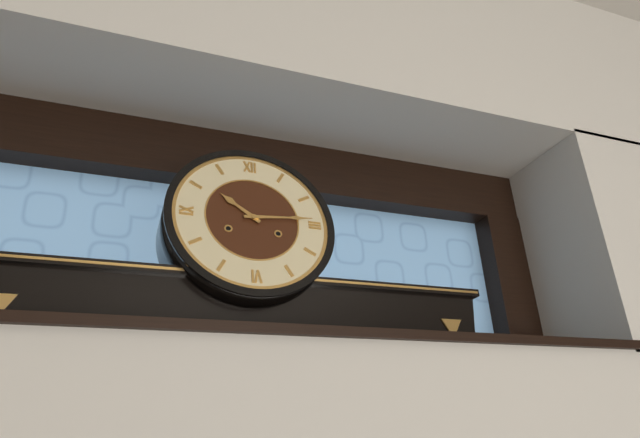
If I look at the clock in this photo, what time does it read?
10:14
